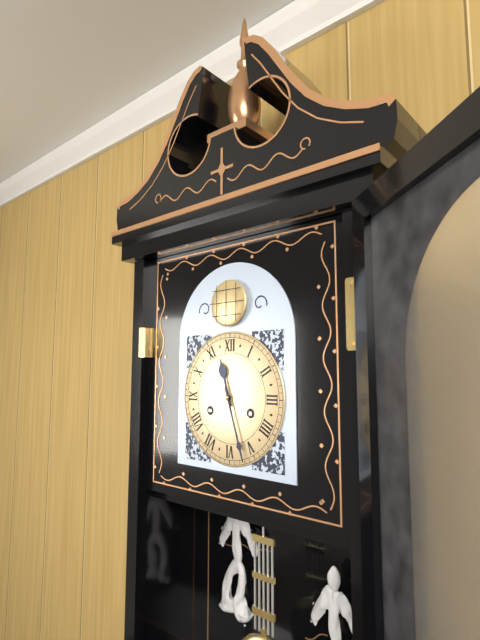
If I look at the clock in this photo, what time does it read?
11:27
